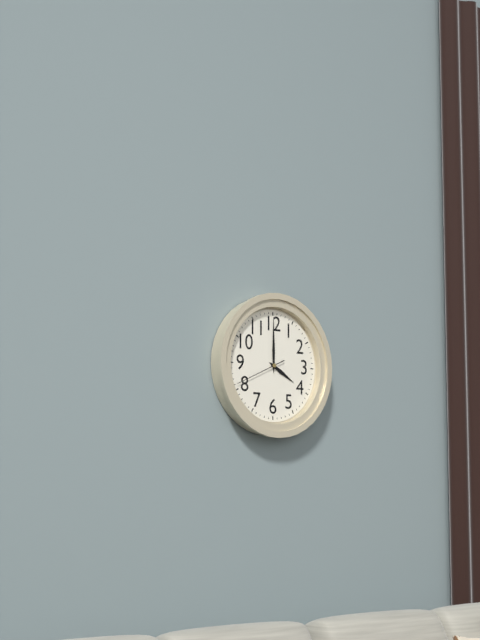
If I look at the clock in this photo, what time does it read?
4:00:41
